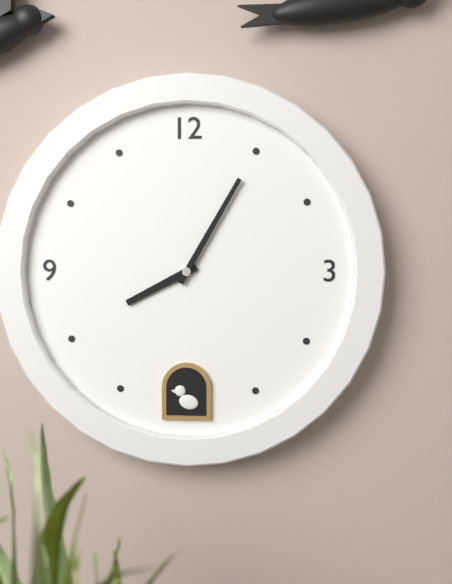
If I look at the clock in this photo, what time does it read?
8:05
